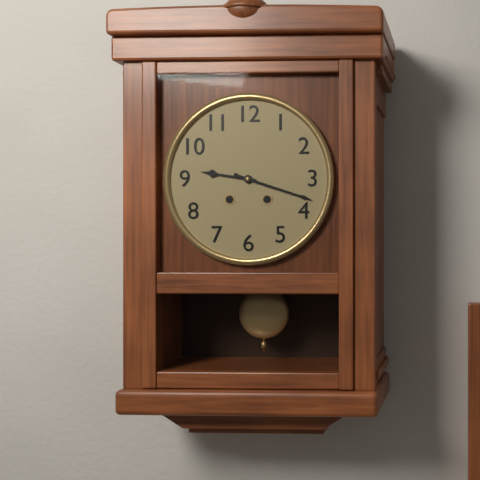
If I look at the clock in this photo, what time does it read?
9:18
